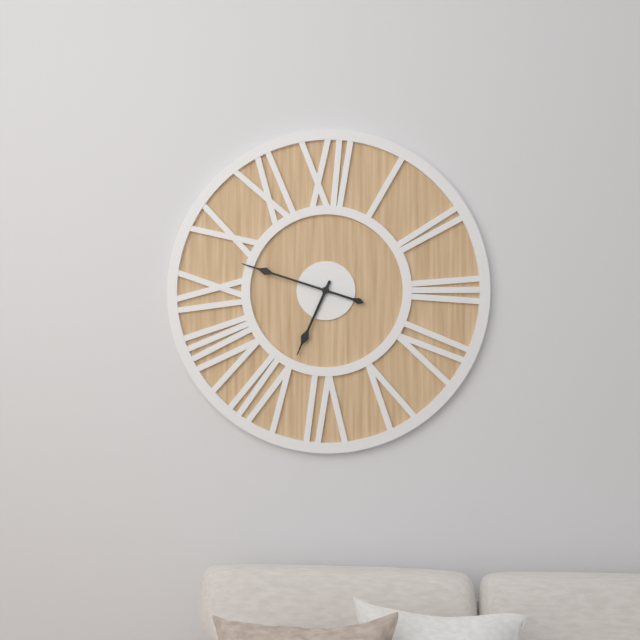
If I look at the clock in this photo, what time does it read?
6:48
